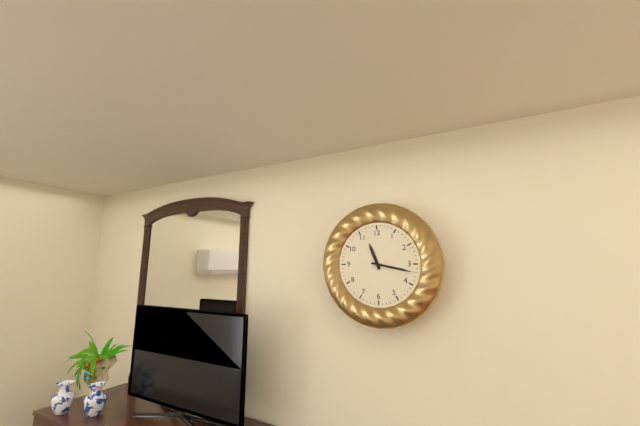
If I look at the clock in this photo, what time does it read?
11:17
